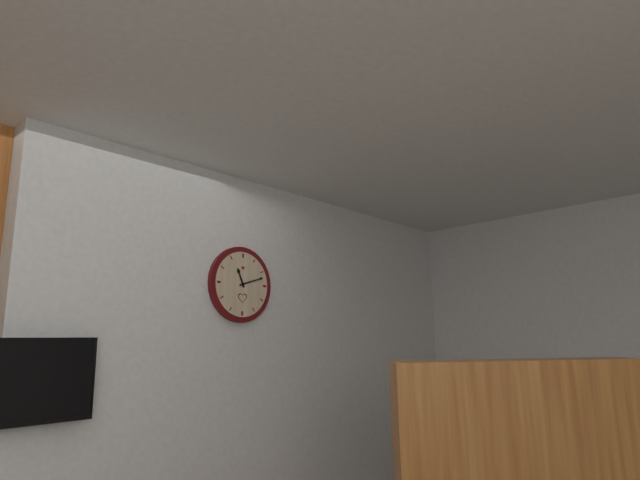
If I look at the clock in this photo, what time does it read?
11:12
